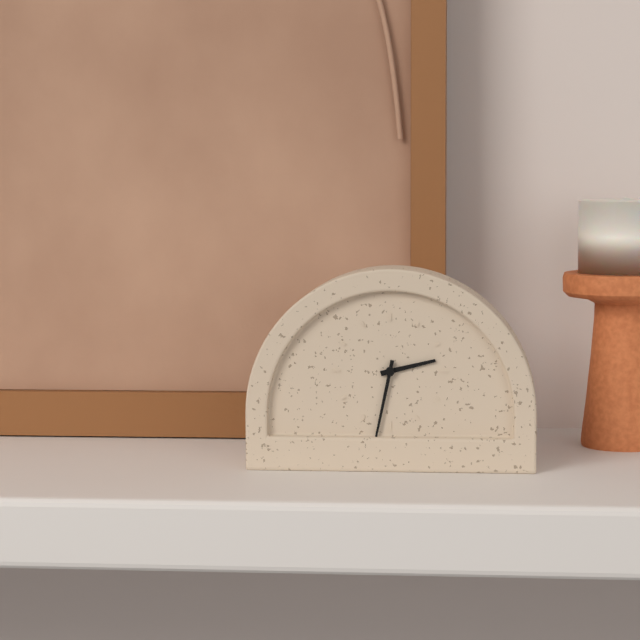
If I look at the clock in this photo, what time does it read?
2:32
